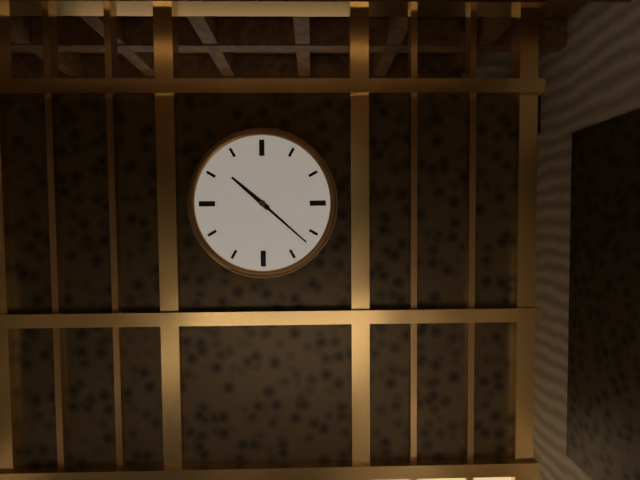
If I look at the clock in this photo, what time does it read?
10:22
